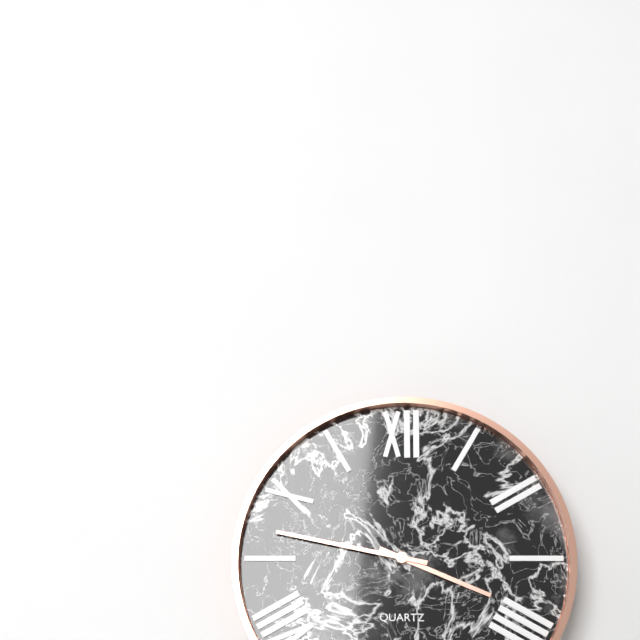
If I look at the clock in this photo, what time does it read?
3:47
